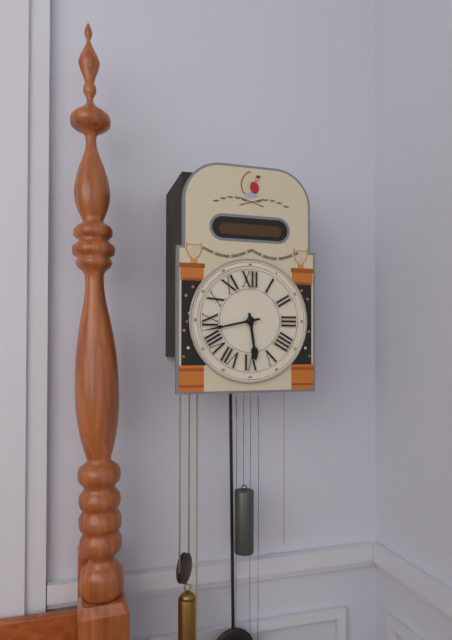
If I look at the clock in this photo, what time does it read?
5:43
